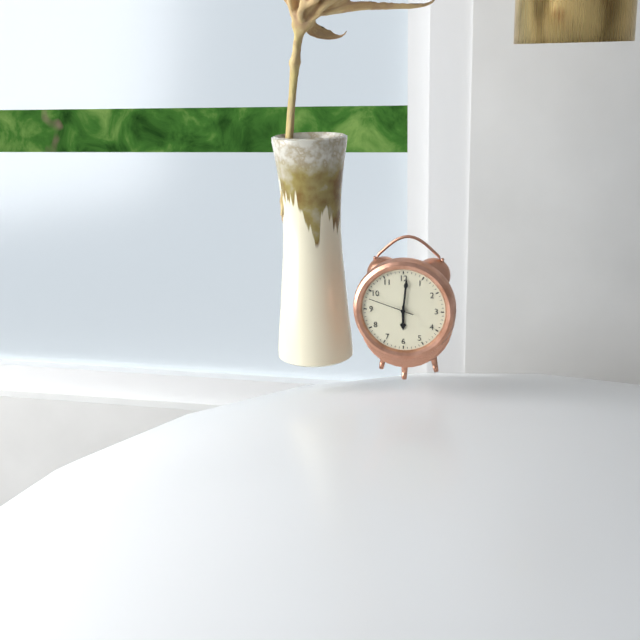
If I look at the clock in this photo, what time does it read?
6:01
